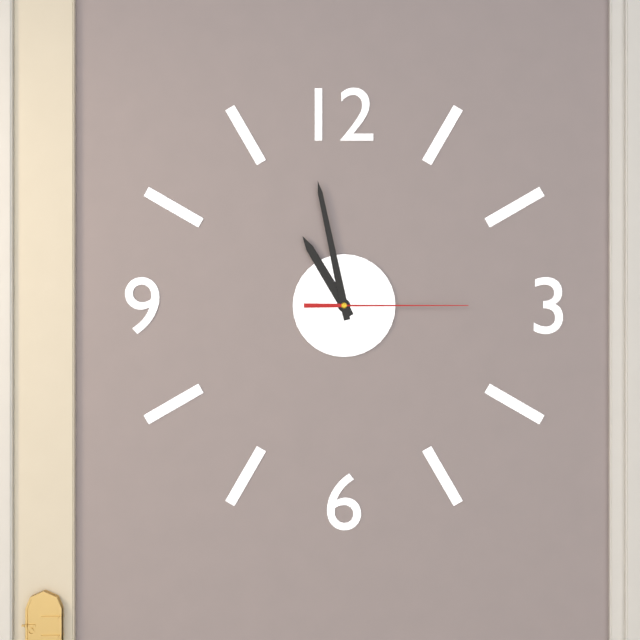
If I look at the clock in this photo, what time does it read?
10:58:15
